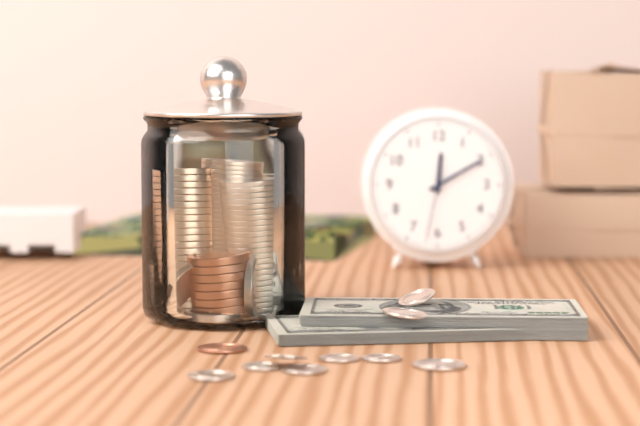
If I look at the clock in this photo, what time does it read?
12:10:32
